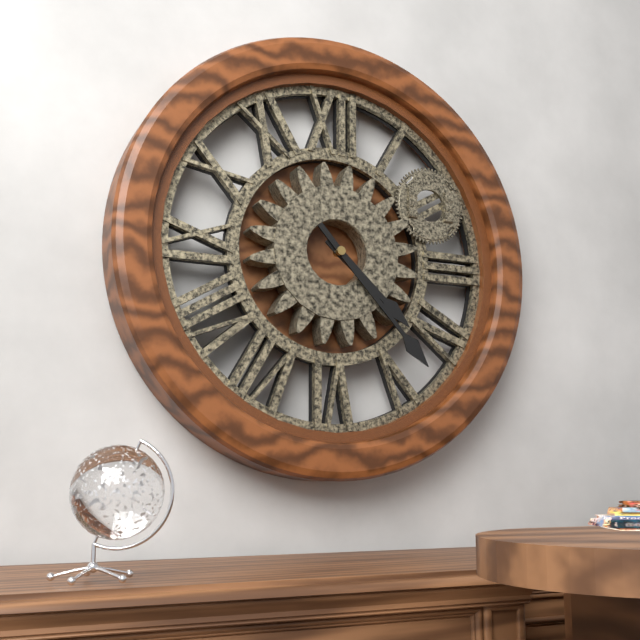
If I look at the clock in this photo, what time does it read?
4:23
